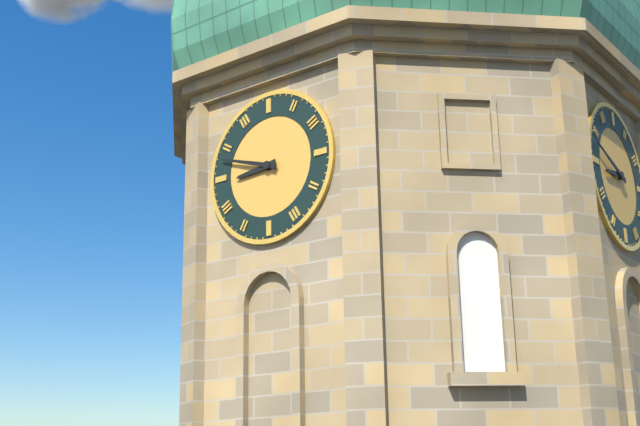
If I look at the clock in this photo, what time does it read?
8:48
